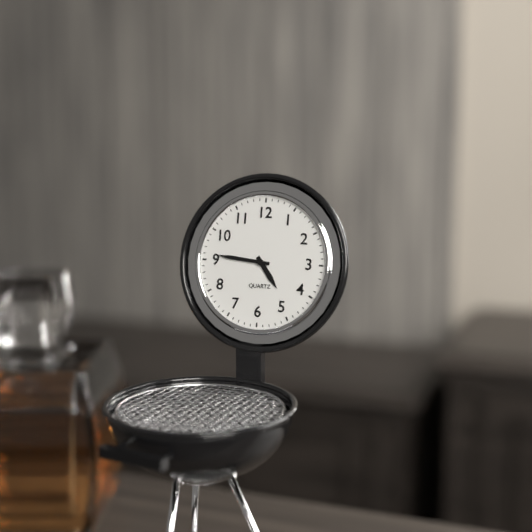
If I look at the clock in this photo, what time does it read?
4:46
